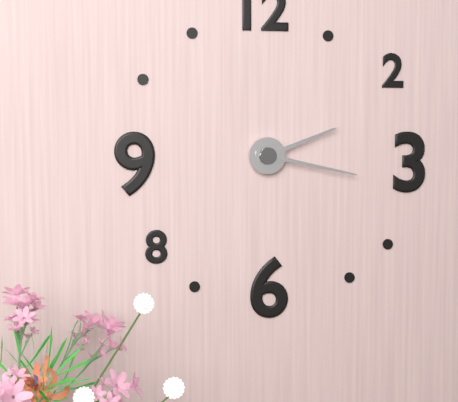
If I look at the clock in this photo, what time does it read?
2:17
